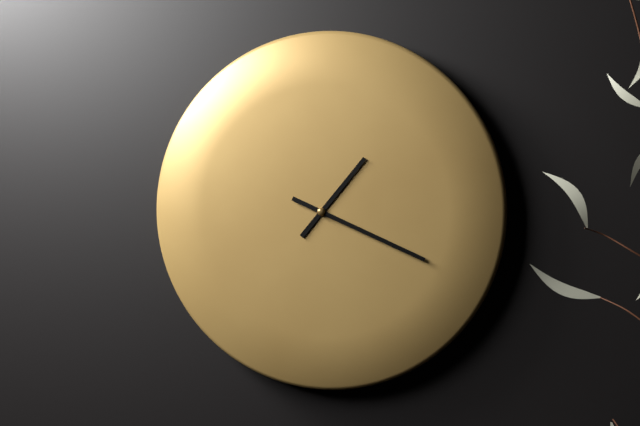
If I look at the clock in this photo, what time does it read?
1:19
